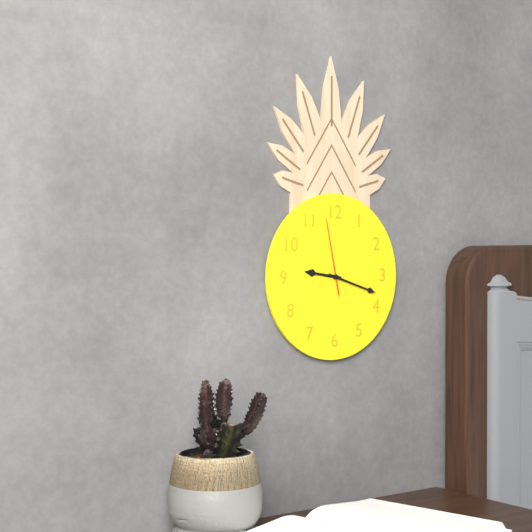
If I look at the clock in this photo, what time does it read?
9:18:58
